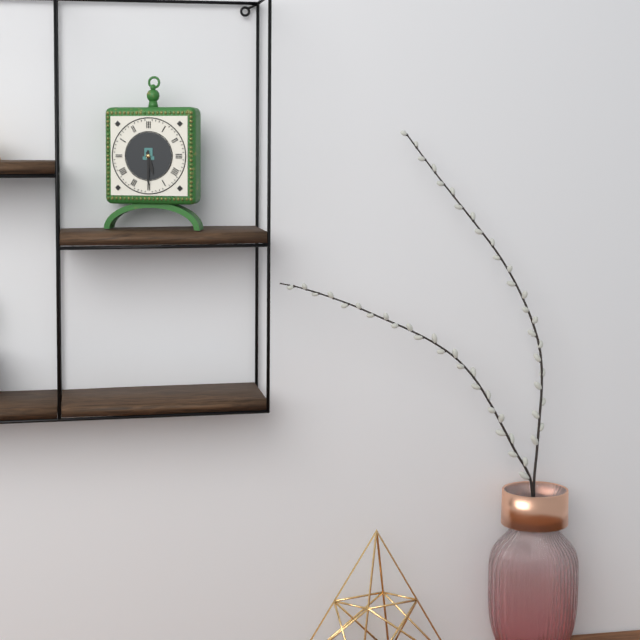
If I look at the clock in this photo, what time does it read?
5:30
